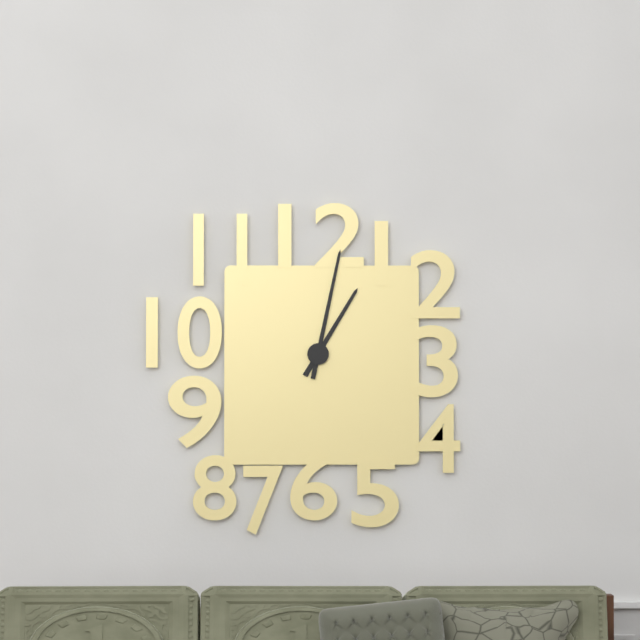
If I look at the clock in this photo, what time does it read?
1:02
